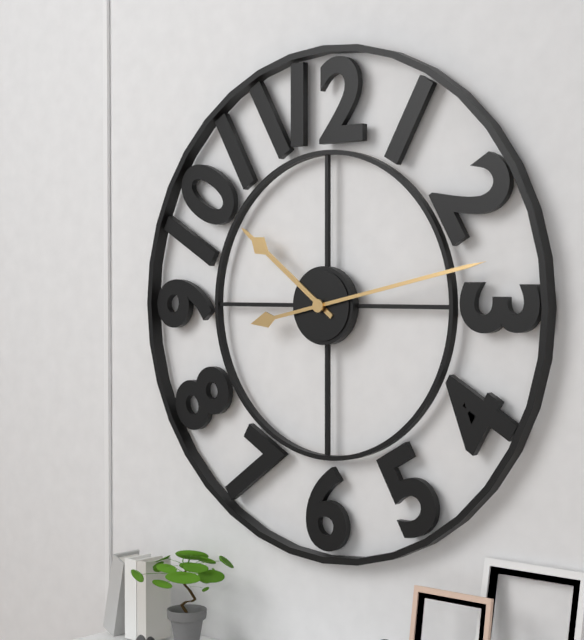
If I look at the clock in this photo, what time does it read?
10:13
